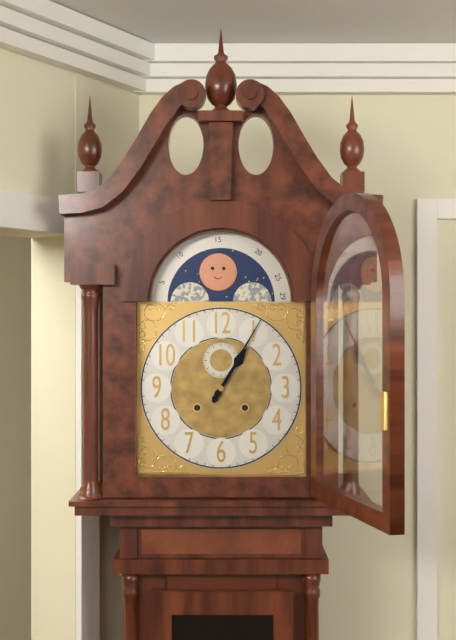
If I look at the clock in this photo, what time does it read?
1:05
